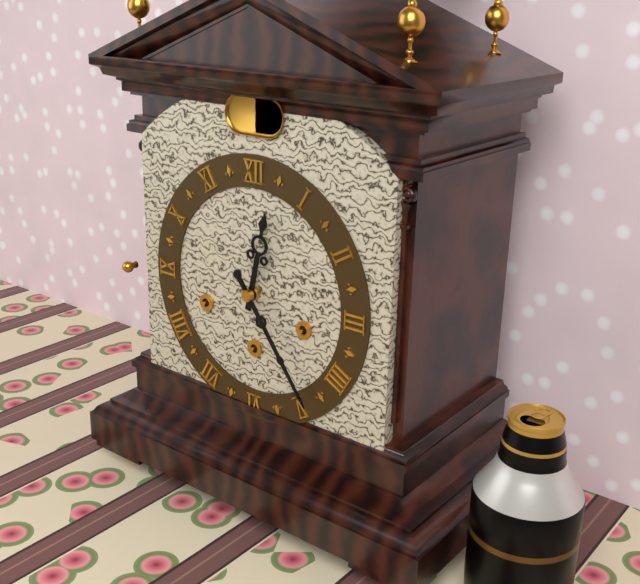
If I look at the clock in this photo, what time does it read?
12:24
